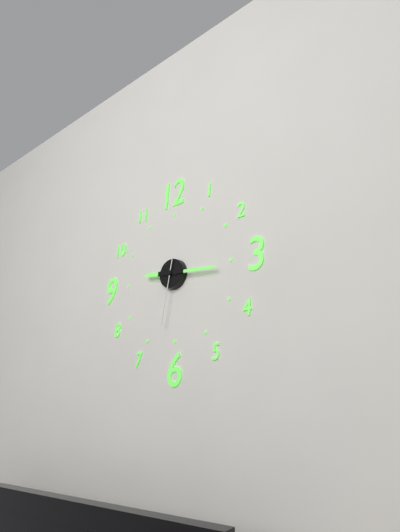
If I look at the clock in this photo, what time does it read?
9:16:32
